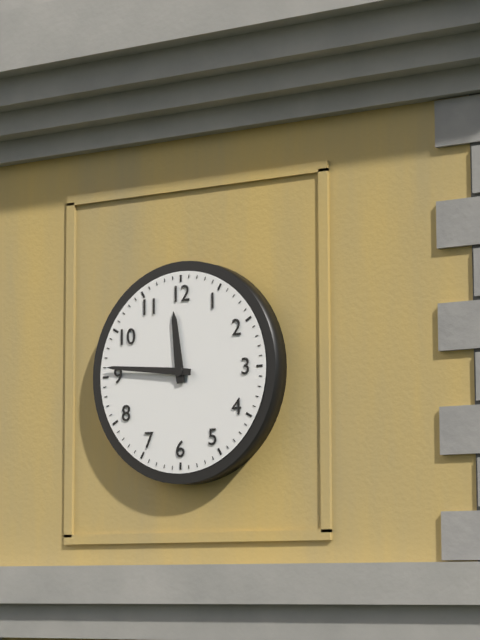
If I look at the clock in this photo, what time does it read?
11:46
